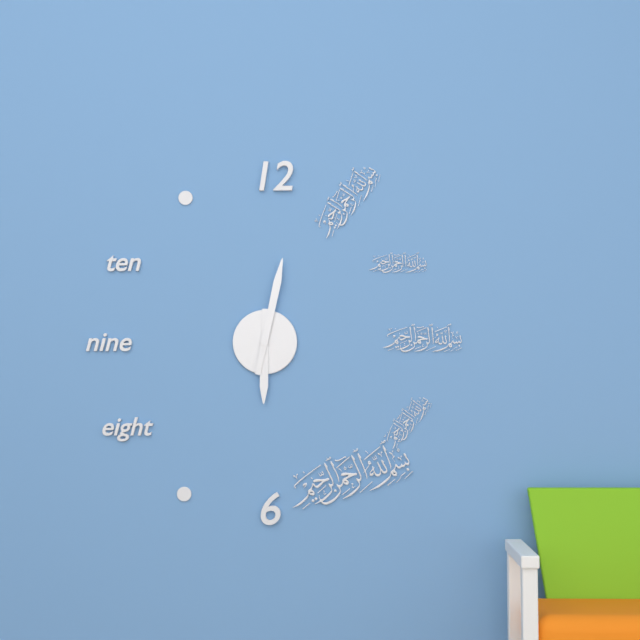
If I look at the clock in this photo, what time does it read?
6:02
